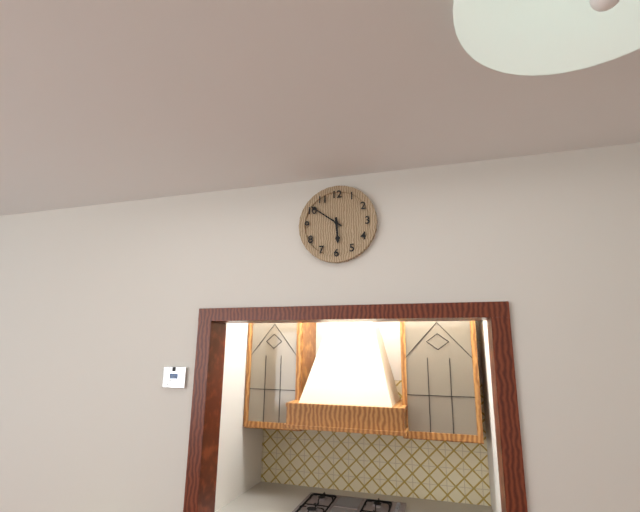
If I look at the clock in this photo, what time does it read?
5:51
